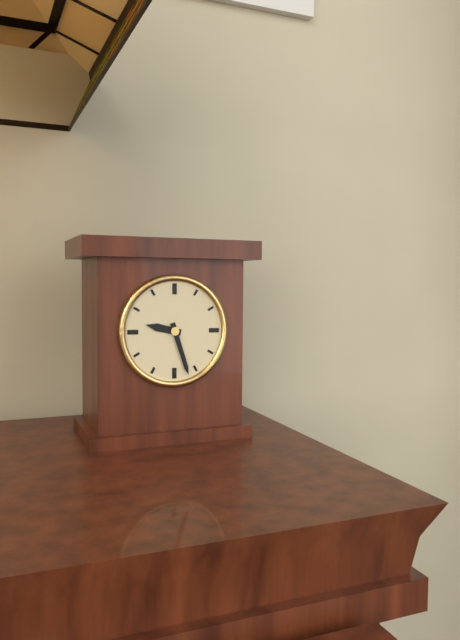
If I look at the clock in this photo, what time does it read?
9:27
